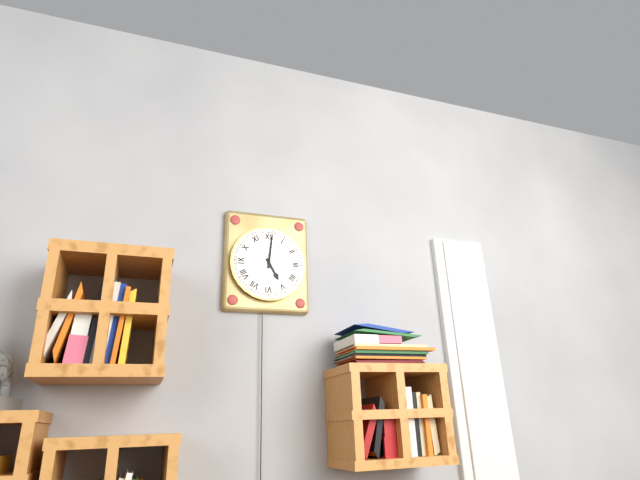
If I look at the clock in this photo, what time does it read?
5:01
